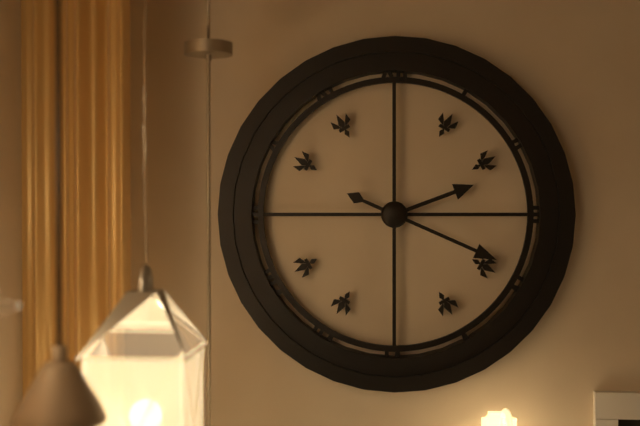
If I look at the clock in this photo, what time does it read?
2:19
